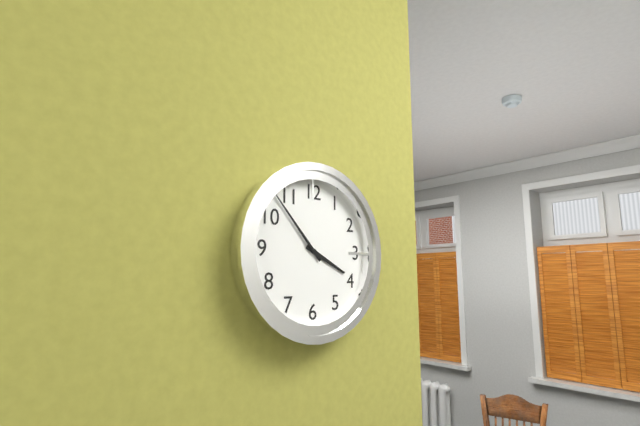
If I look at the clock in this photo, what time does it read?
3:53
